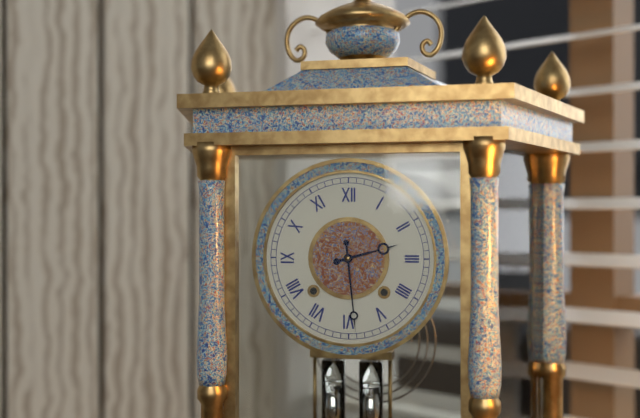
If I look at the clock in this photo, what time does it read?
2:29
